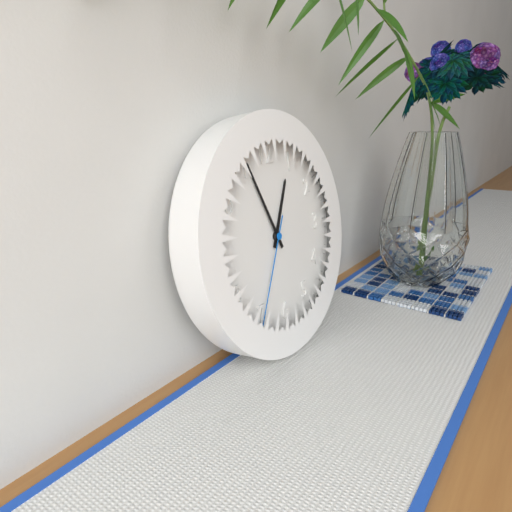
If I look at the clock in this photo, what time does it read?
12:56:35
